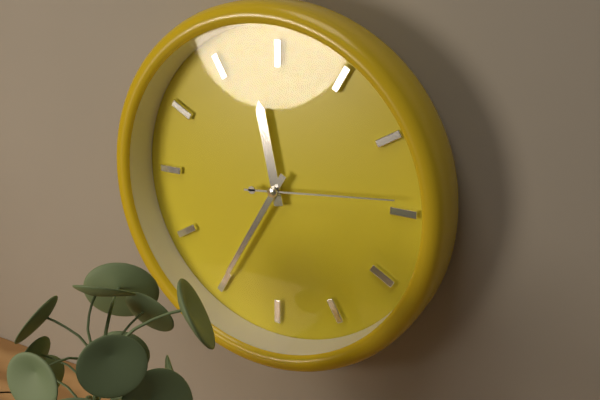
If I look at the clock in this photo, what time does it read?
11:35:14
